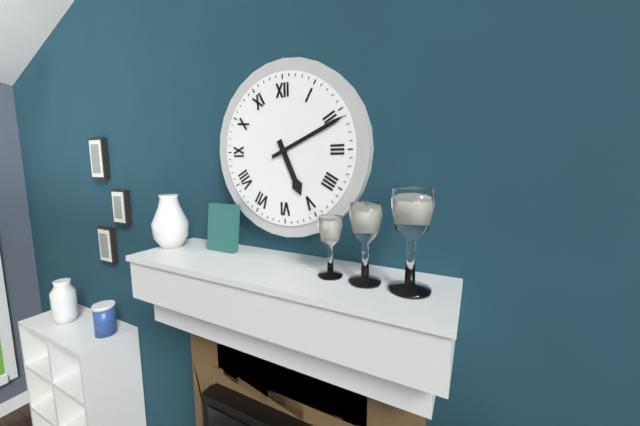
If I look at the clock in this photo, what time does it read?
5:11
